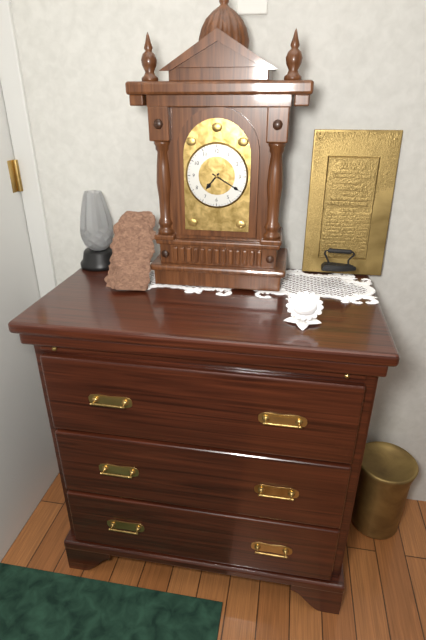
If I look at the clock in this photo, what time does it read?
7:20
